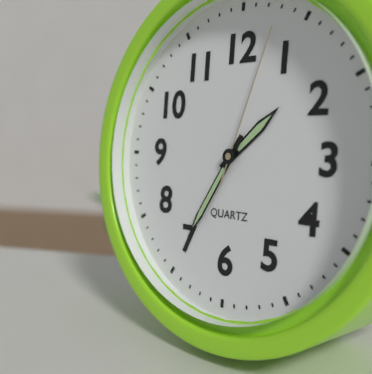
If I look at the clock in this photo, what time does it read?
1:35:03
